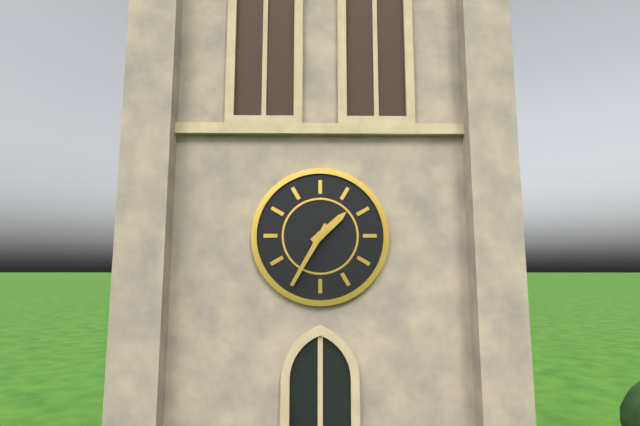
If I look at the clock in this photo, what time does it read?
1:35
